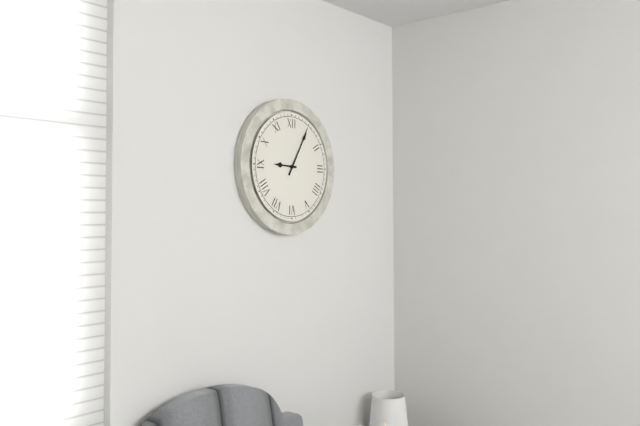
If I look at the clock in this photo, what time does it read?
9:05
